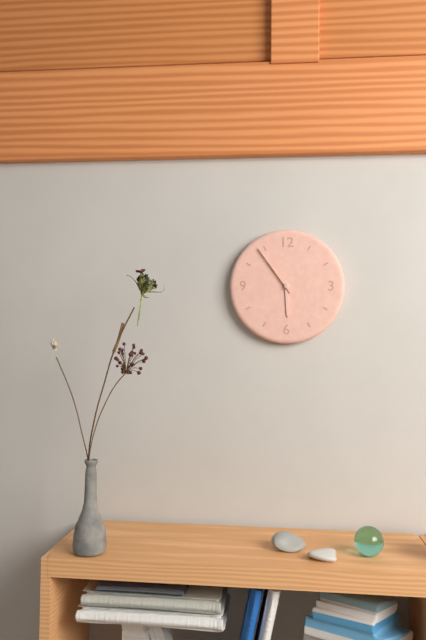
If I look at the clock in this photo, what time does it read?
5:54
